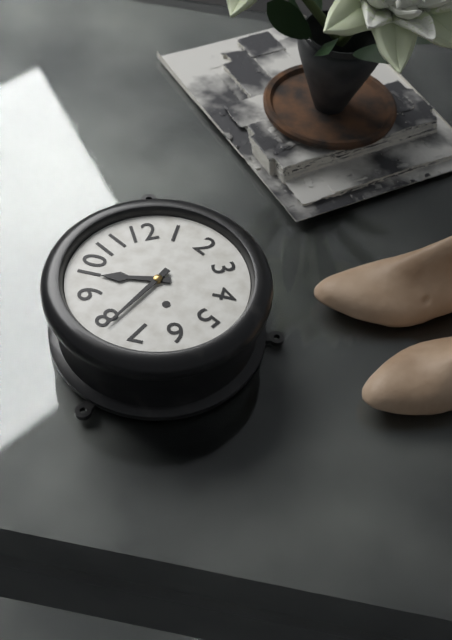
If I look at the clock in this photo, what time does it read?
9:39
